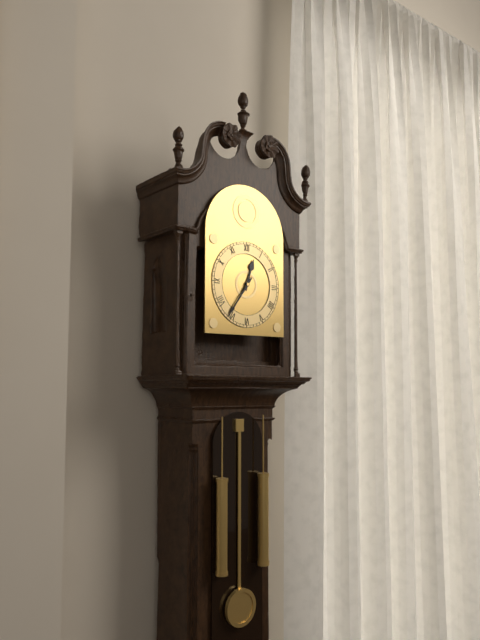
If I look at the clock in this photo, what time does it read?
12:36
